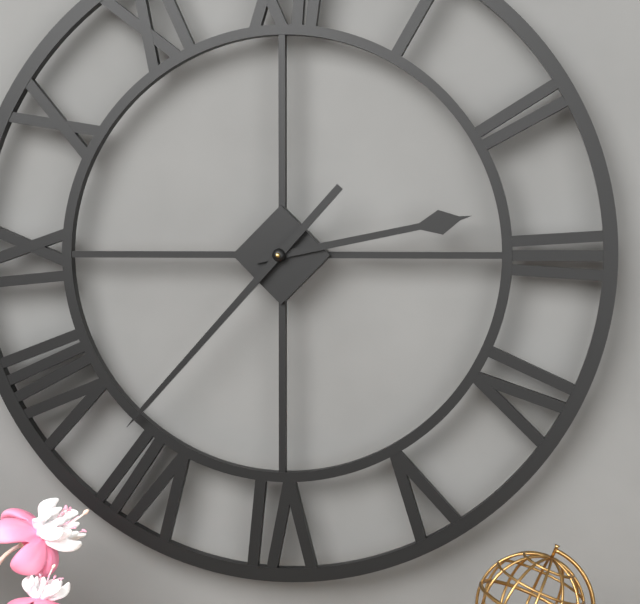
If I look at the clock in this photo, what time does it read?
2:37
